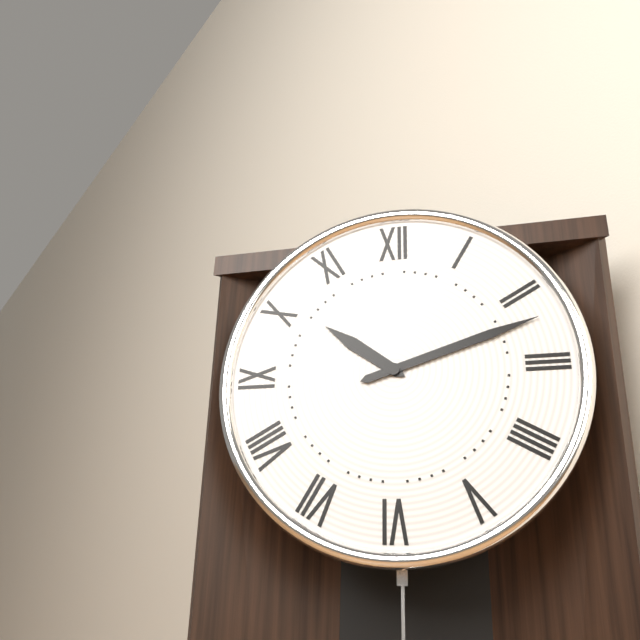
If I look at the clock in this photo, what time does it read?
10:12
